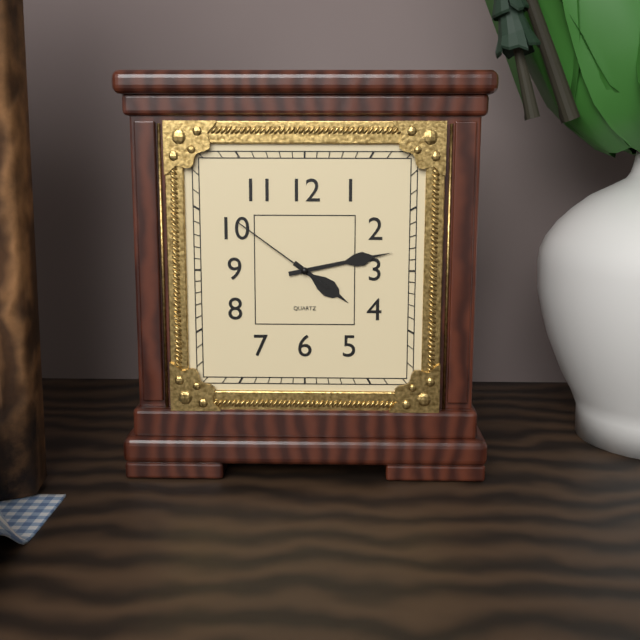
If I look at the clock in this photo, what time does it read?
4:13:51
